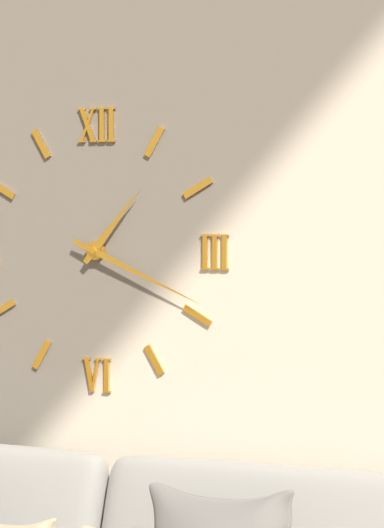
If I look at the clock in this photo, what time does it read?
1:19
